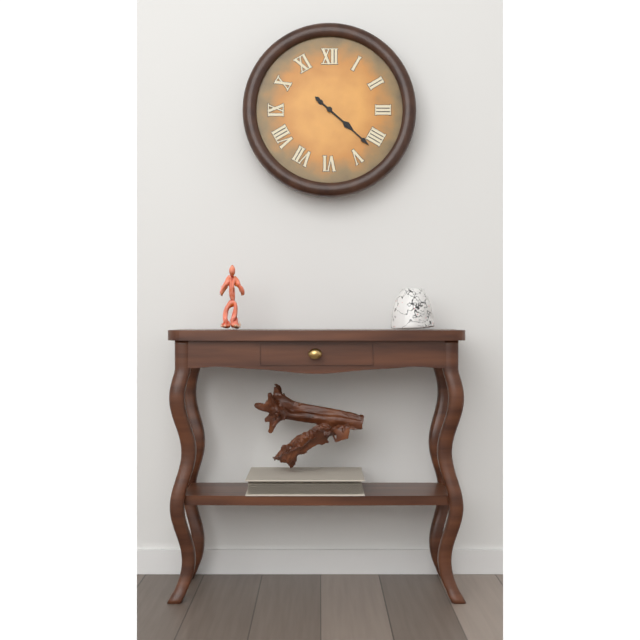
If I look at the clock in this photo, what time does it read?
4:22
